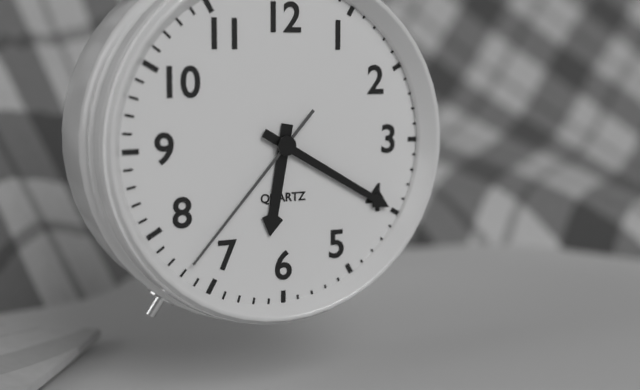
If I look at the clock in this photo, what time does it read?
6:20:37
